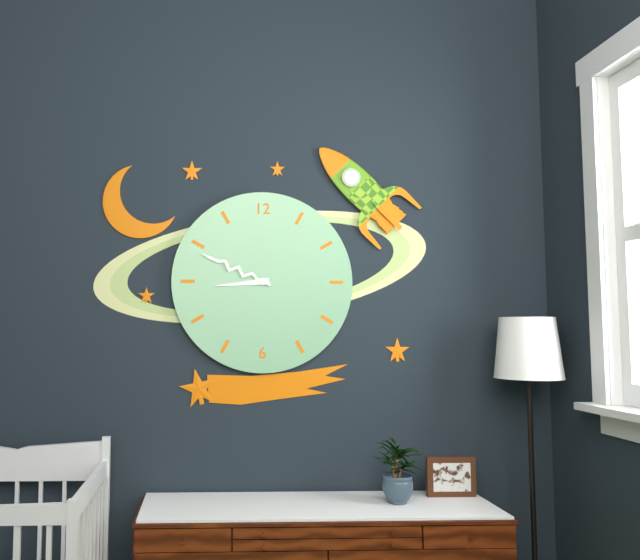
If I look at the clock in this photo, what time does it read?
8:49
